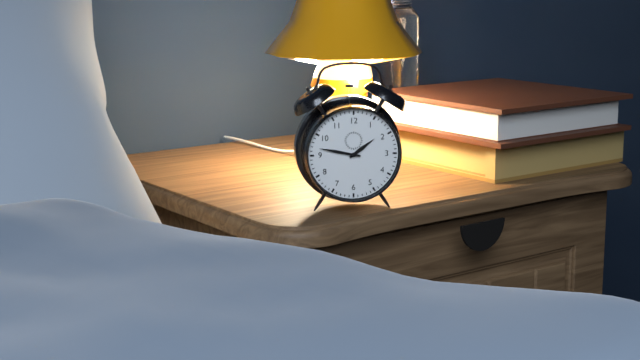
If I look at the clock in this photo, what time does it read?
1:47
